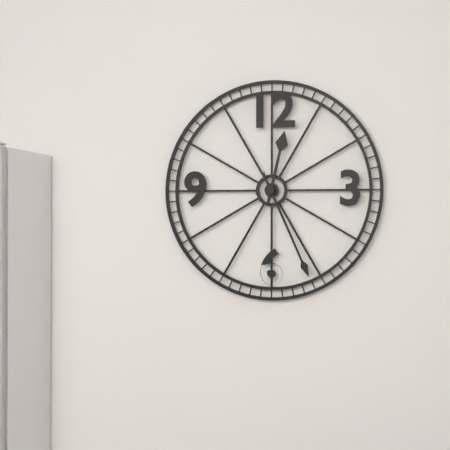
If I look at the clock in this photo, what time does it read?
12:26
